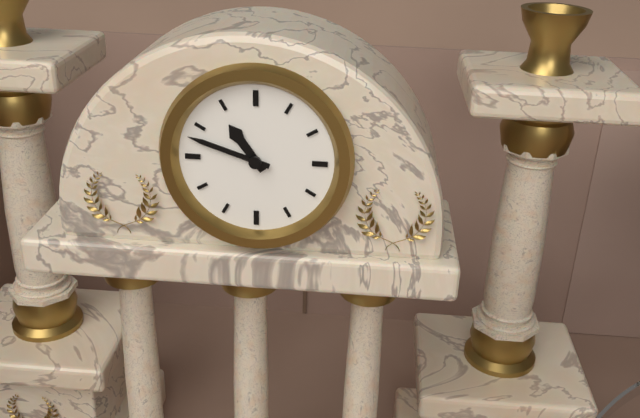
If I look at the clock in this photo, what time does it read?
10:48
